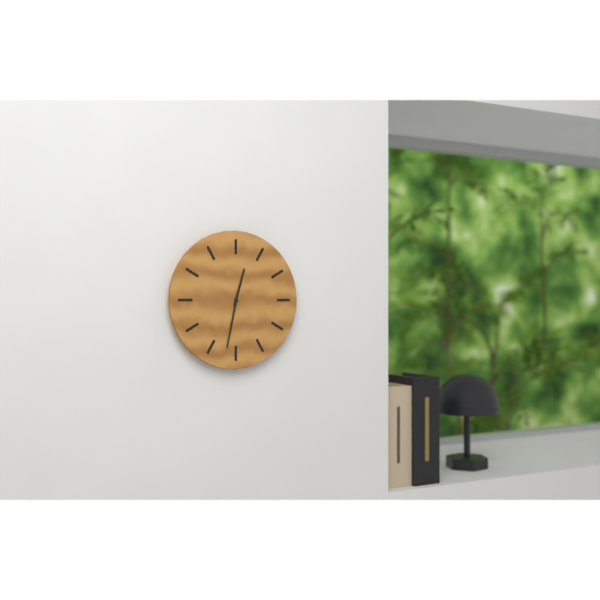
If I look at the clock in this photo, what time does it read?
12:32
